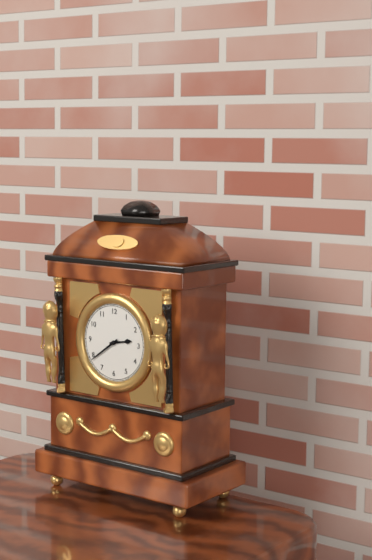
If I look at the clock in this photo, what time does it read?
2:39
